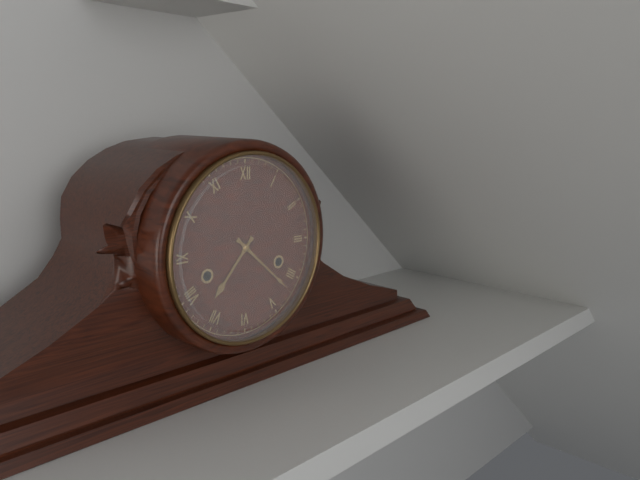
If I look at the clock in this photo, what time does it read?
7:22
